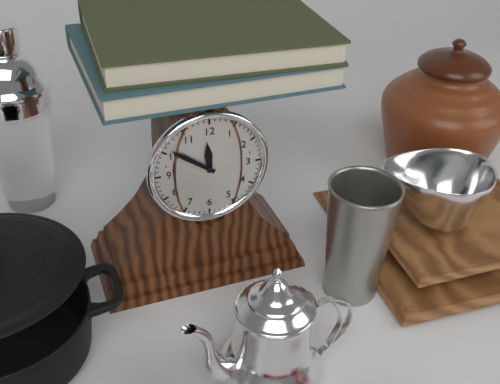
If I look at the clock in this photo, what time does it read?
11:51
